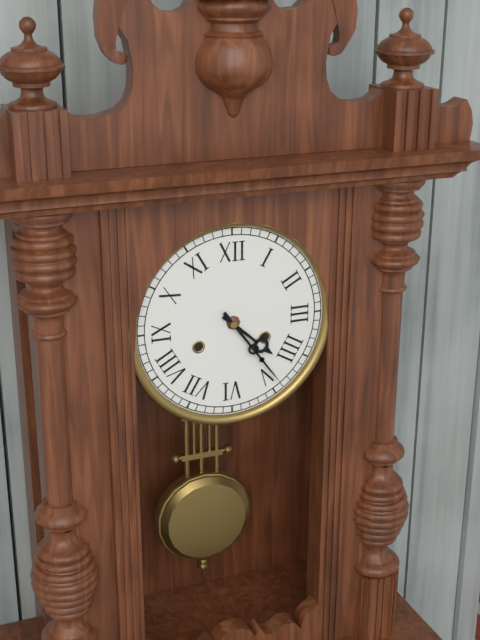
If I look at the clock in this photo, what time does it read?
4:24
